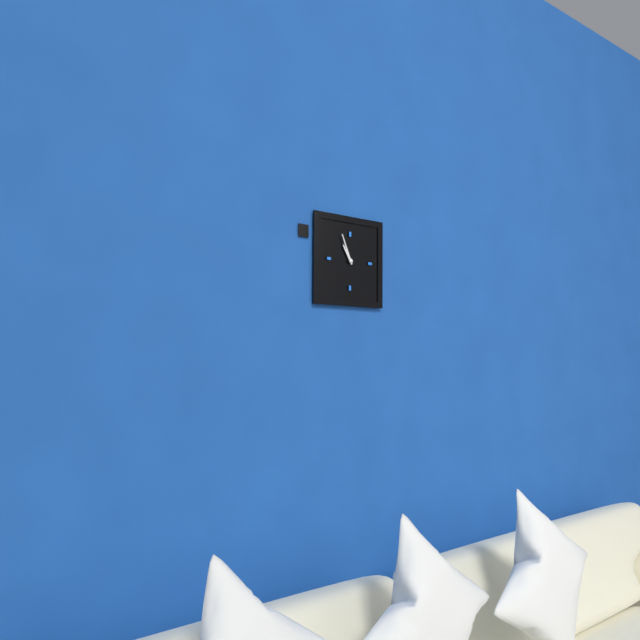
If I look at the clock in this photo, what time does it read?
10:56
